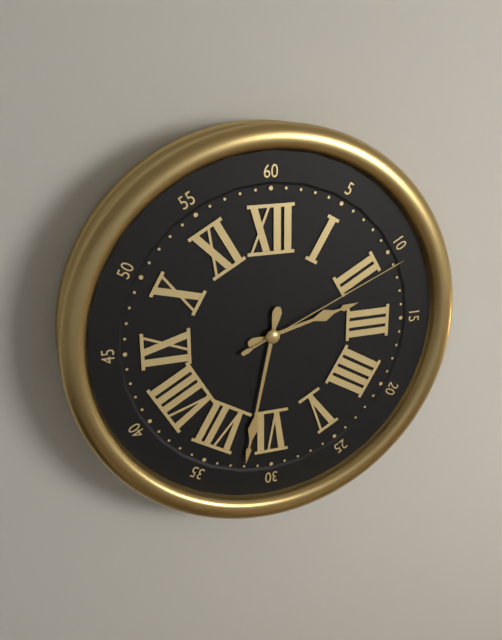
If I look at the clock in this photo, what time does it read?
2:32:11
